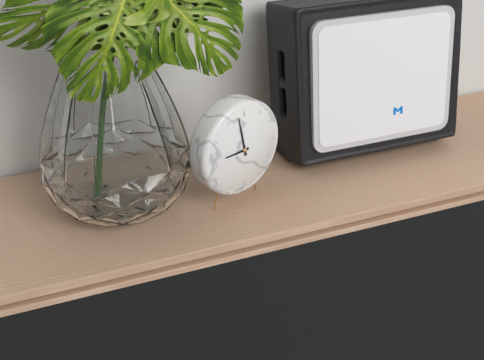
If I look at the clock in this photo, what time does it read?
8:58
